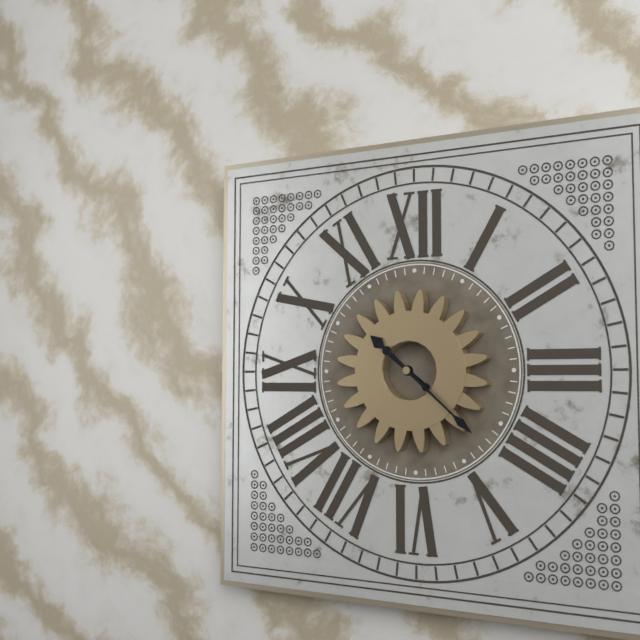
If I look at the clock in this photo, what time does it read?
10:22
